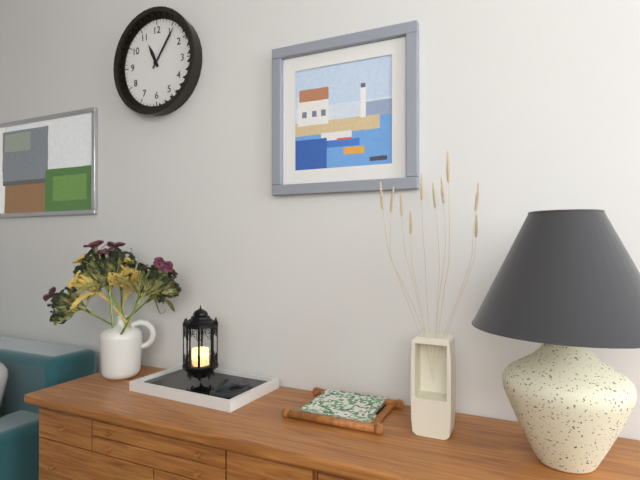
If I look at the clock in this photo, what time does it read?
11:06
